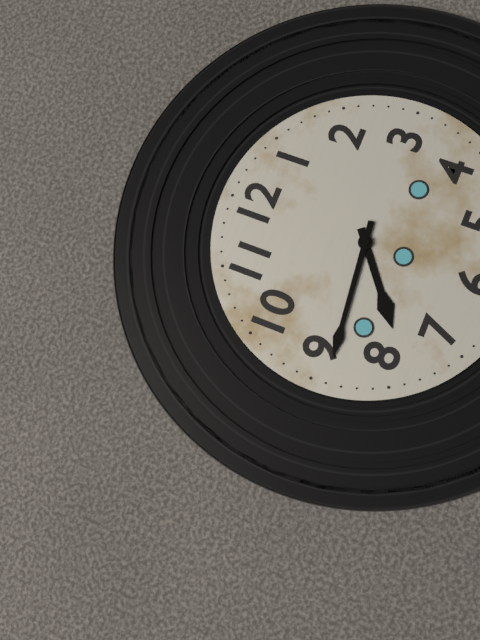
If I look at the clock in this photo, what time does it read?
7:44
